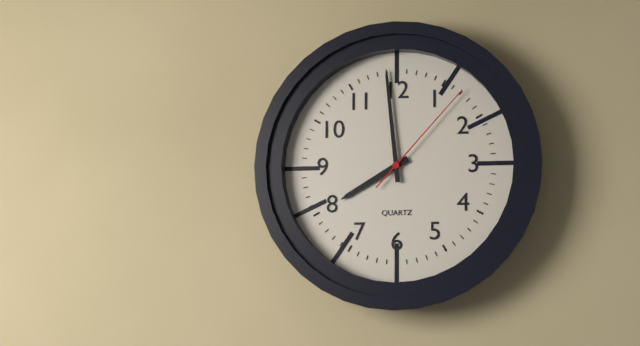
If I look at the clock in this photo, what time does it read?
7:59:07
